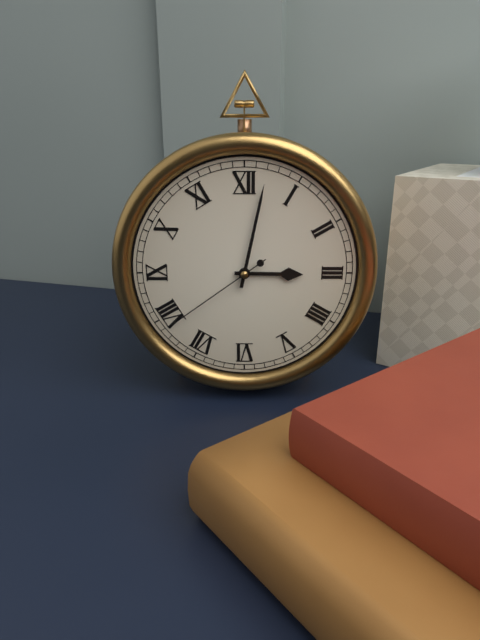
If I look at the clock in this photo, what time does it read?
3:02:39
